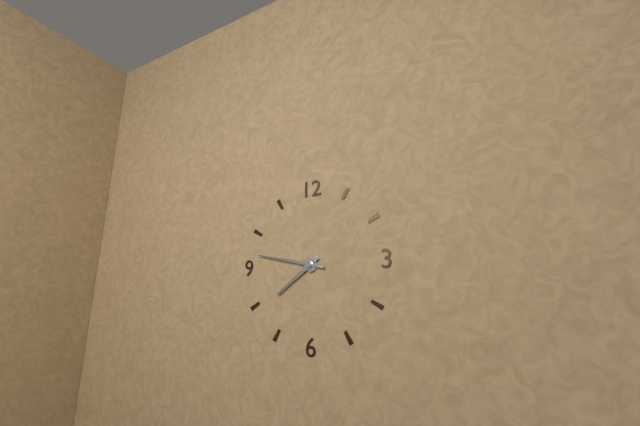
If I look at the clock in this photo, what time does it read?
7:47
